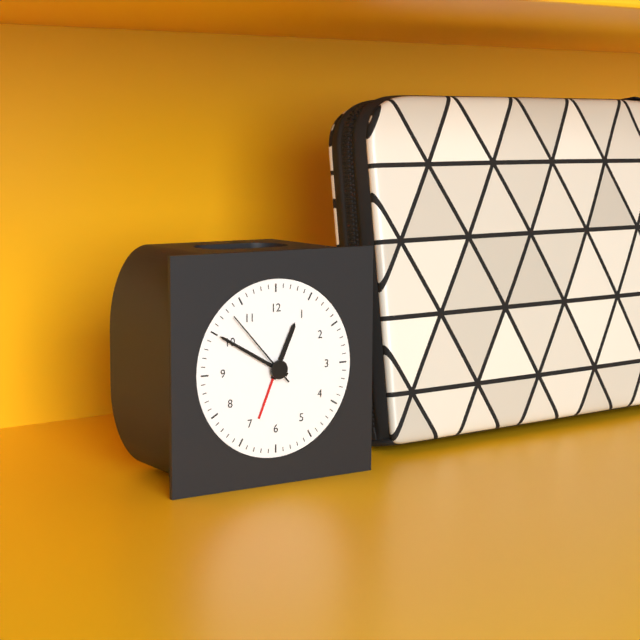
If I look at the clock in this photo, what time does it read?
12:50:53
